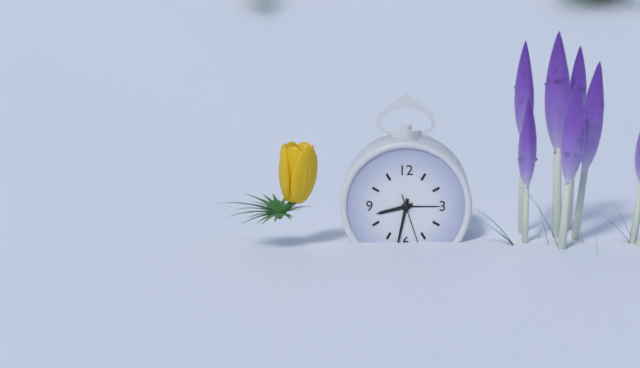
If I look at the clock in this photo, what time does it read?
8:32:27
